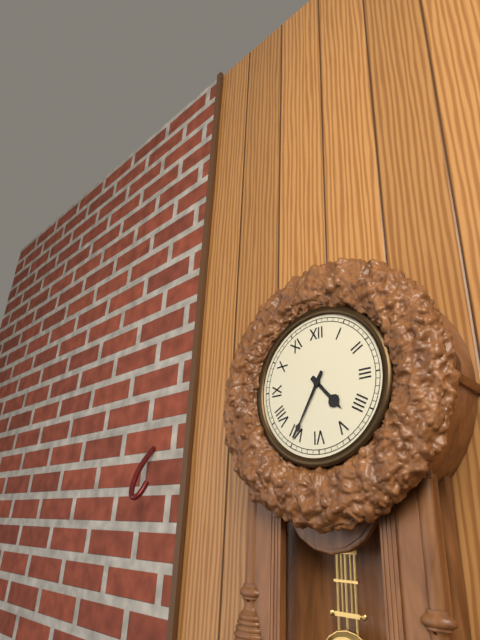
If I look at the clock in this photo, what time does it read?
4:35
